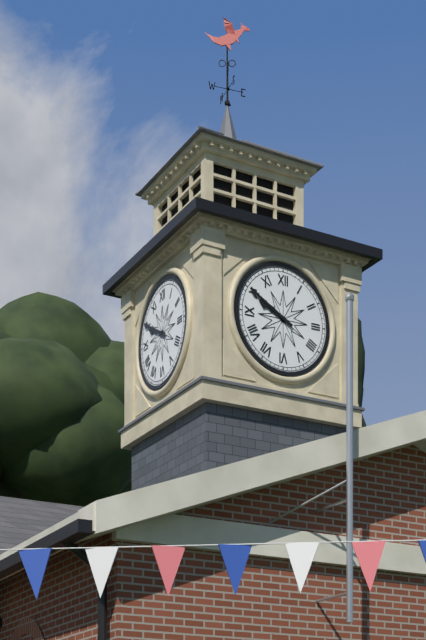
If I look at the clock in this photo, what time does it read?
9:50
